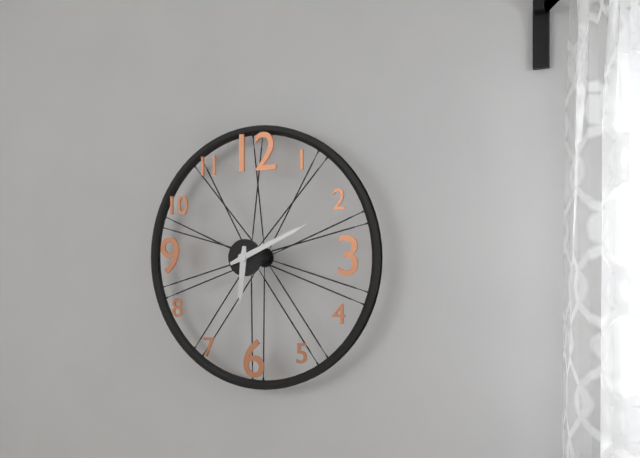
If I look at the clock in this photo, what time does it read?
6:11
